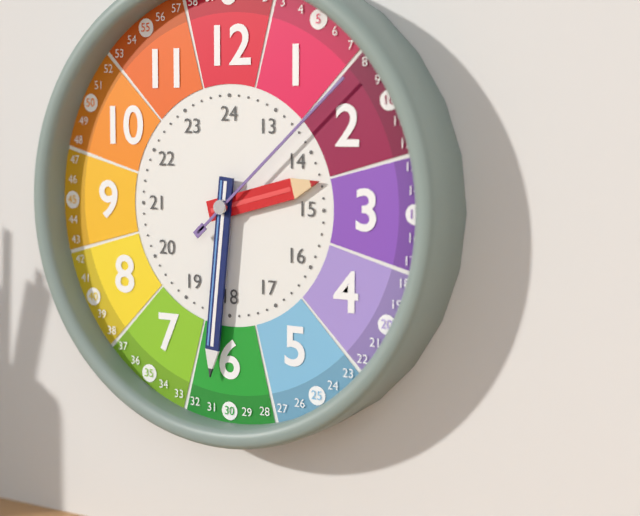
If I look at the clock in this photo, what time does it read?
2:31:08
